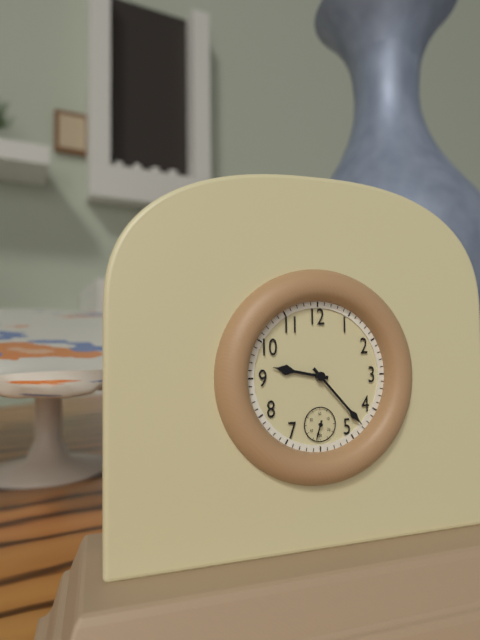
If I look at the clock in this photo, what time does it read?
9:23
